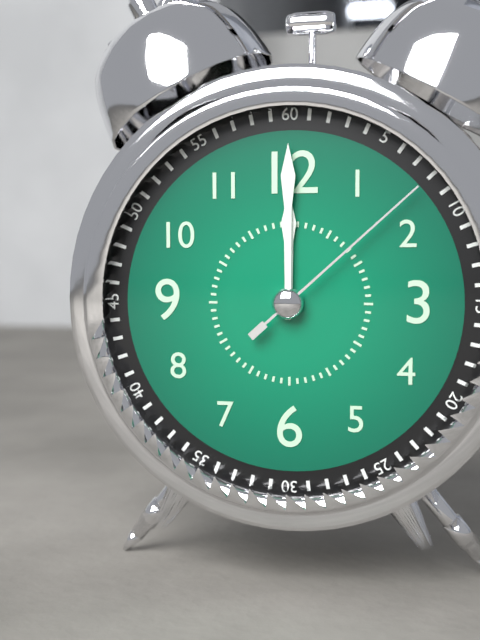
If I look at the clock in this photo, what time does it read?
12:00:08
